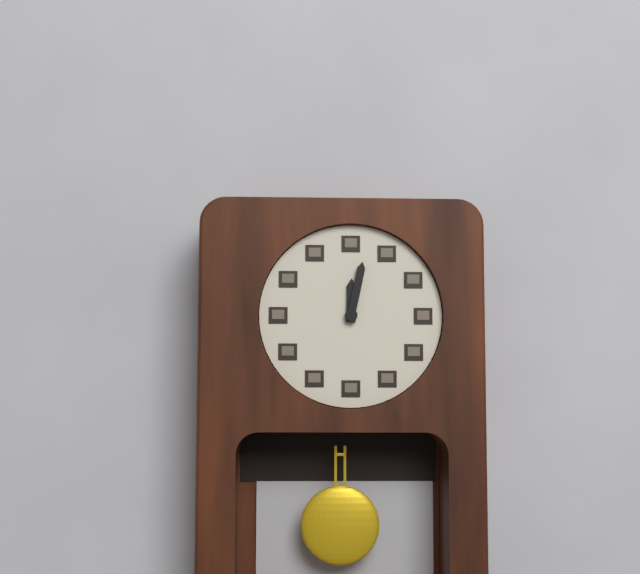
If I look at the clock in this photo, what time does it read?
12:02
